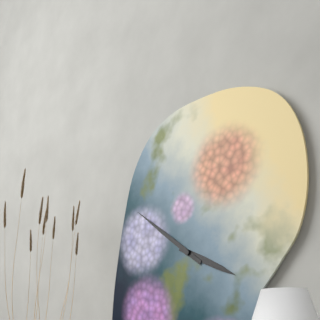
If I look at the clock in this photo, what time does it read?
3:51
